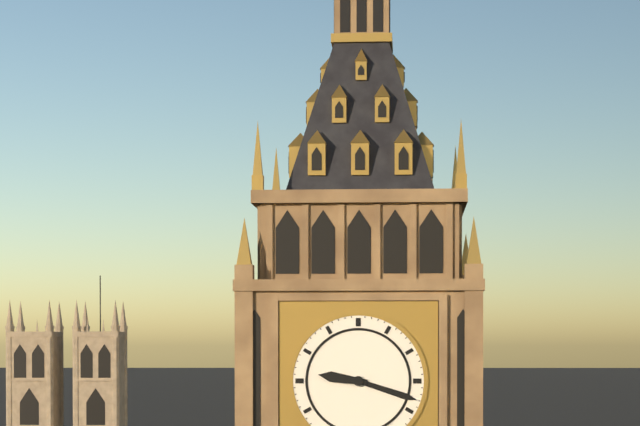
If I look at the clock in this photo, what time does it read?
9:18
